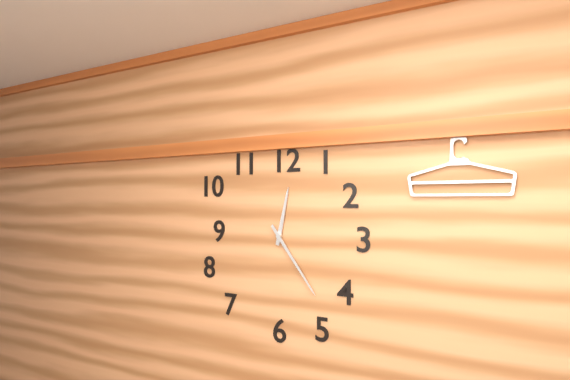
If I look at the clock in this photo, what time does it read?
12:24
